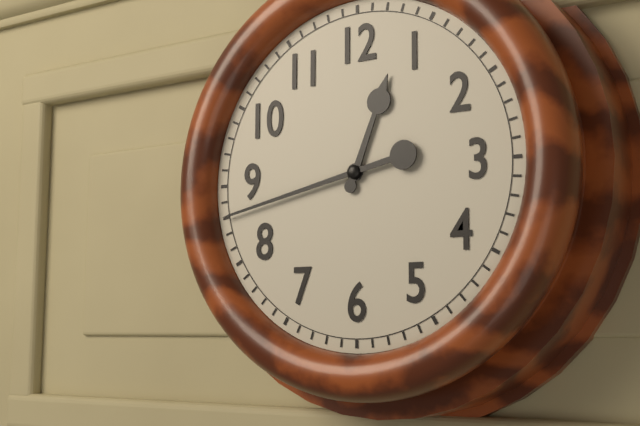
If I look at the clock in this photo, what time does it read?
12:43
